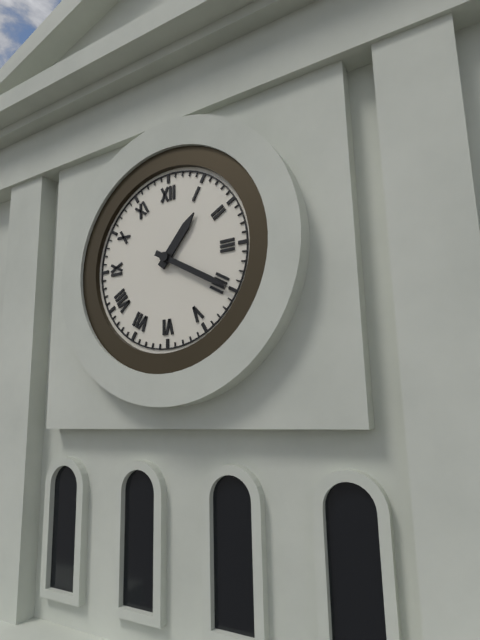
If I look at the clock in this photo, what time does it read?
1:20
